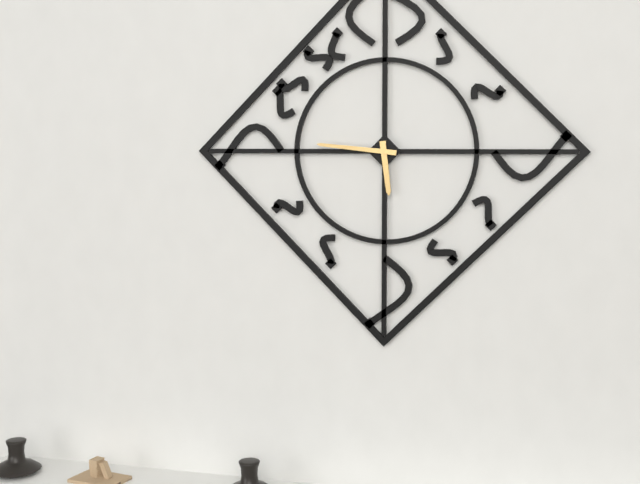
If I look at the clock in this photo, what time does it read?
5:46
